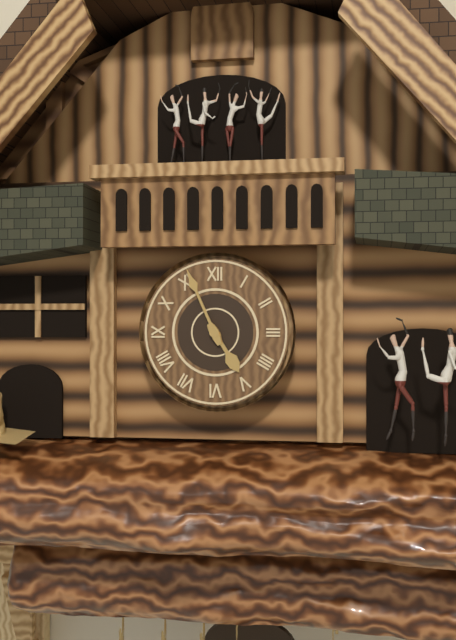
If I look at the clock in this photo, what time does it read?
4:56
